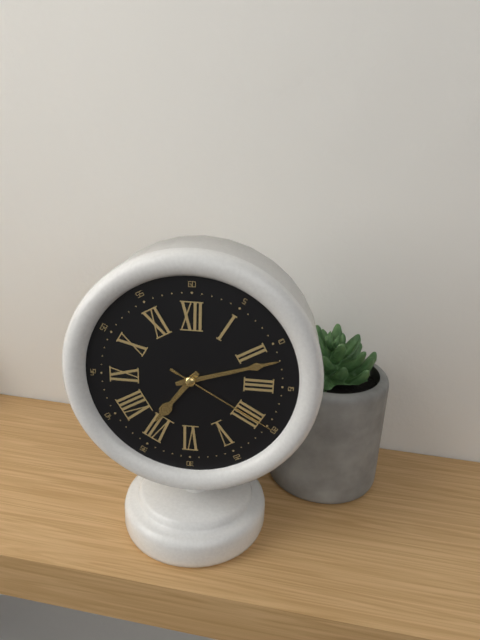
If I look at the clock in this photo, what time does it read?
7:12:20
